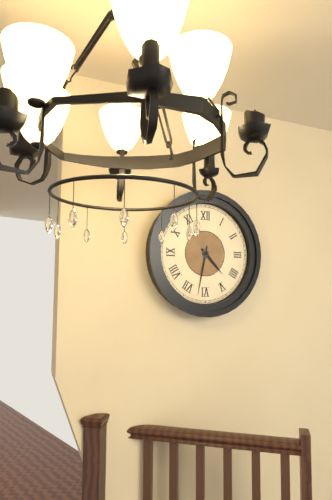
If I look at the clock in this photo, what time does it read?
4:32
